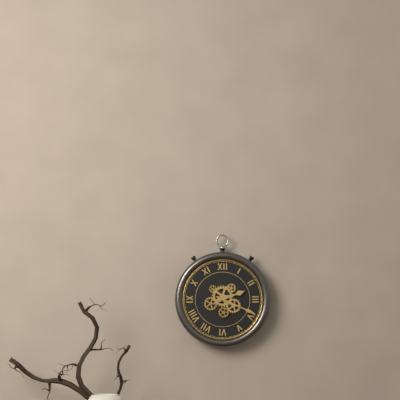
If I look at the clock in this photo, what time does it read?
2:19
